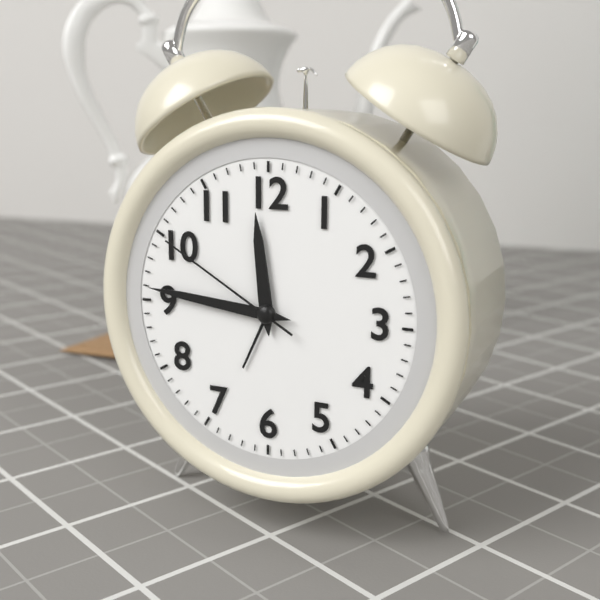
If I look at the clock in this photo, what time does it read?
11:46:50
